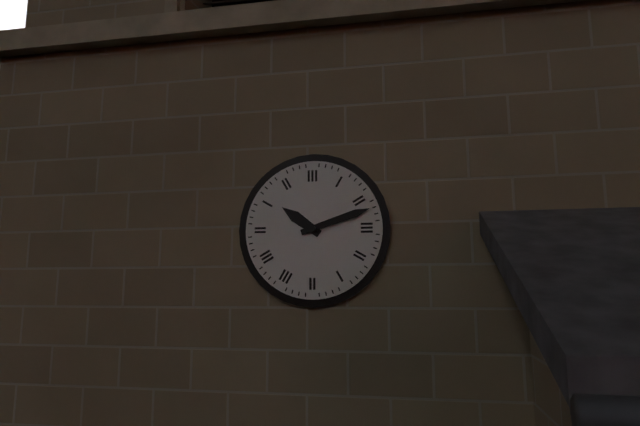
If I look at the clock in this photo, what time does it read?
10:12
